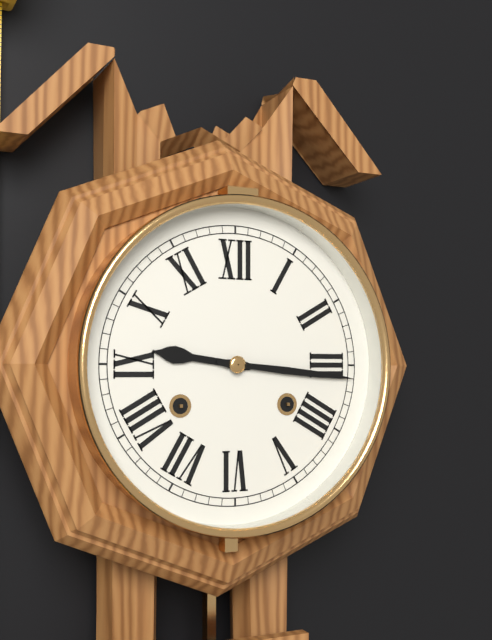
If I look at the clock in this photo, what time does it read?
9:16
